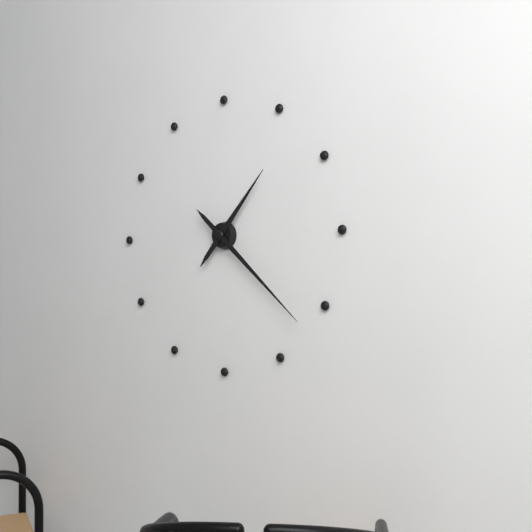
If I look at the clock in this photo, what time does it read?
1:22
